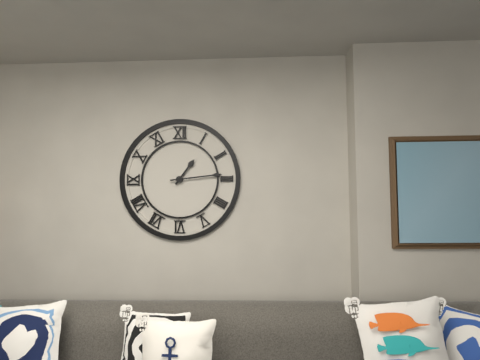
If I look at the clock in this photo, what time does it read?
1:14
